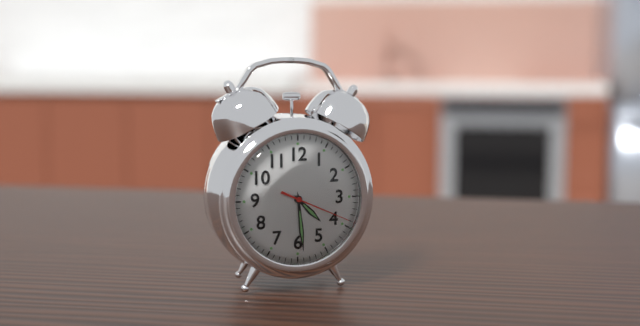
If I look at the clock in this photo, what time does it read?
4:29:19
